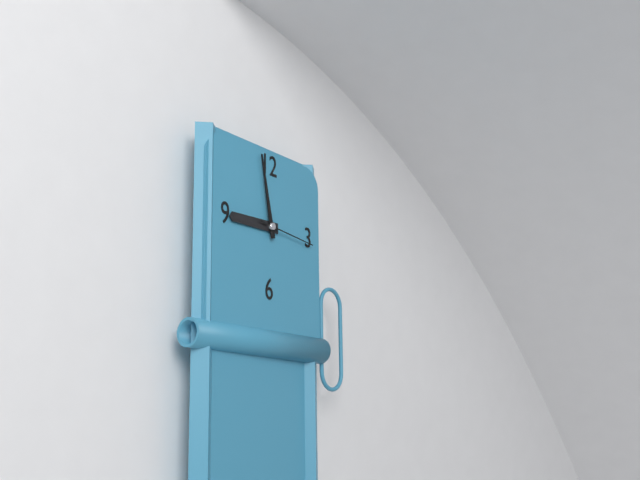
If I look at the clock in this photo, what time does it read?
8:58:16
